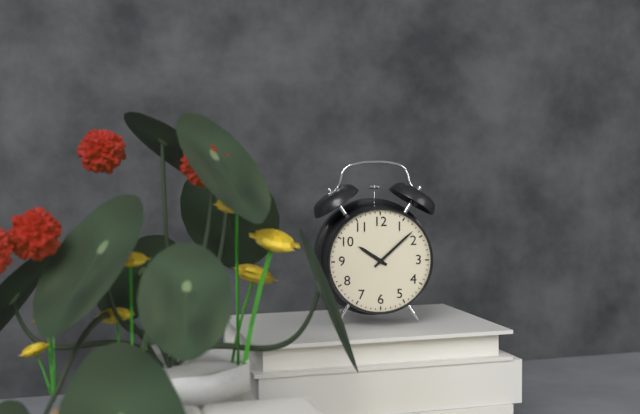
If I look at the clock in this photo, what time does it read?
10:08
